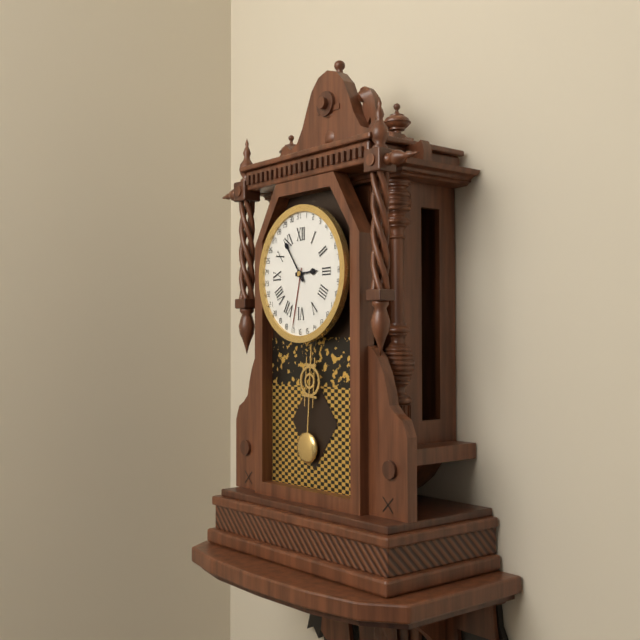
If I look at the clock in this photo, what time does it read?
2:54
